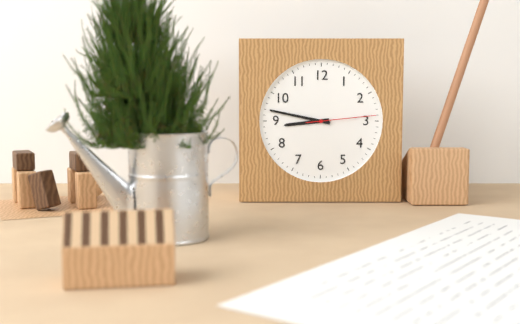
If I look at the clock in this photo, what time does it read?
8:47:14
